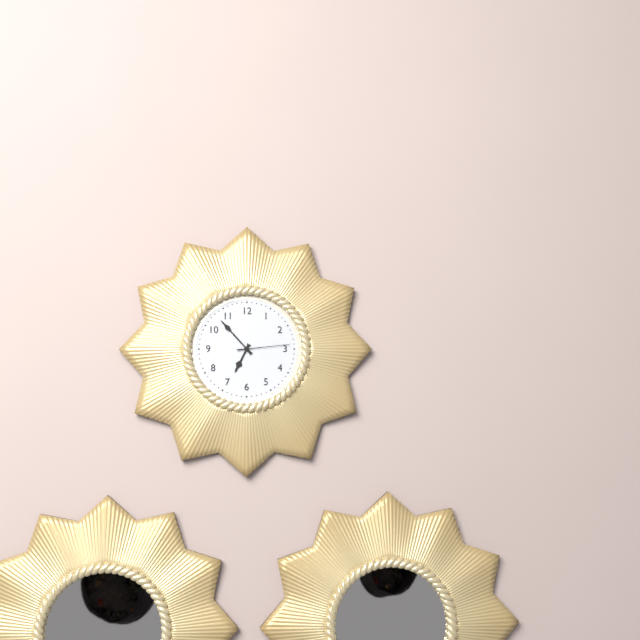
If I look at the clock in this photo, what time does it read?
6:53:14
